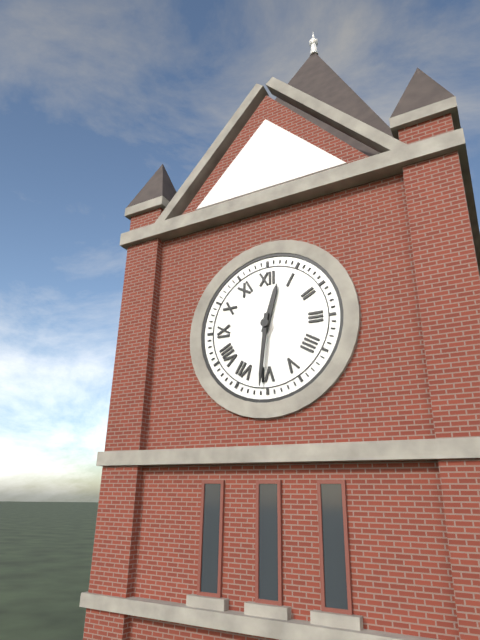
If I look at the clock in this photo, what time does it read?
12:31
